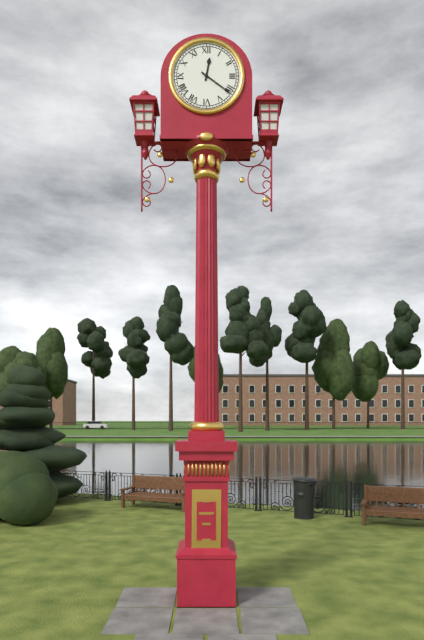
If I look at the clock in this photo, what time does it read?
12:21
